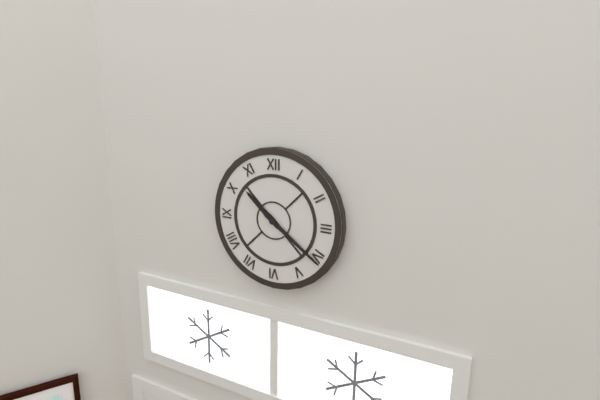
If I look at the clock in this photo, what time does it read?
10:21
